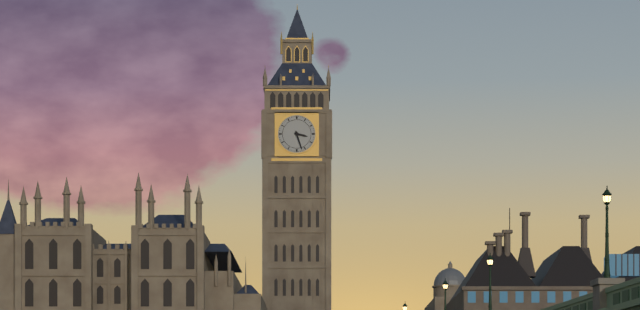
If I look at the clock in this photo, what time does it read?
3:27
